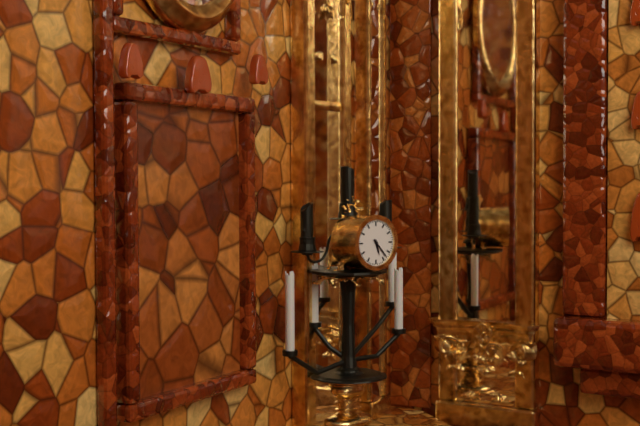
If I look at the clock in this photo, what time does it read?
5:23
